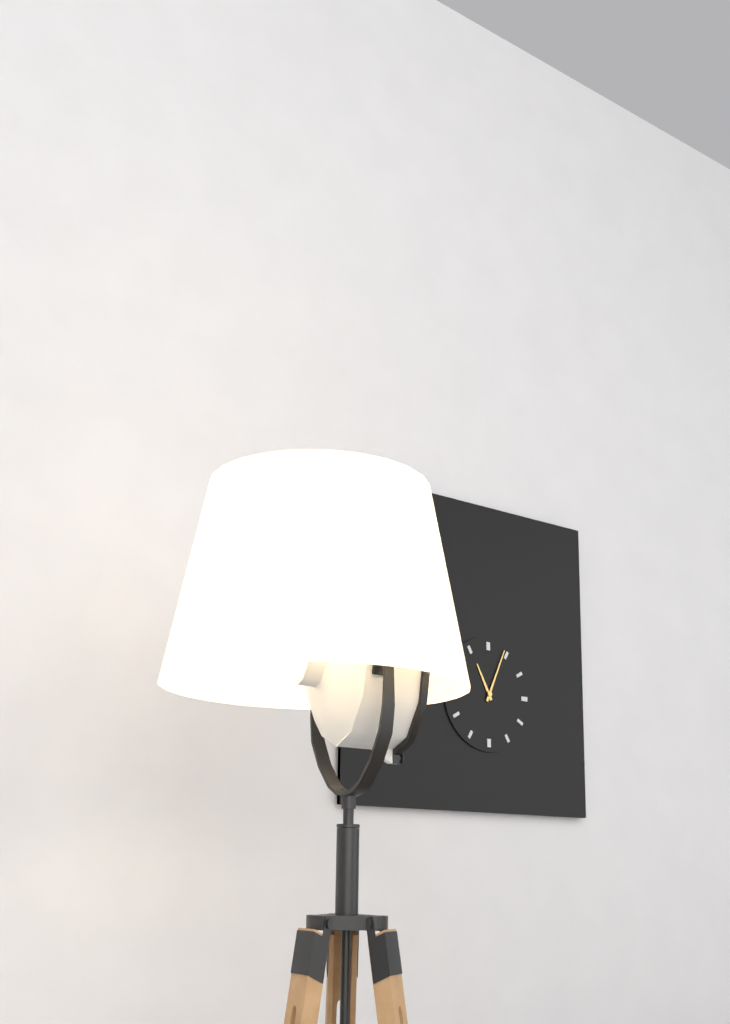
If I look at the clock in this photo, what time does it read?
11:04
